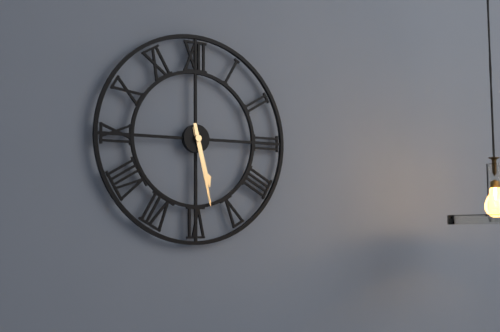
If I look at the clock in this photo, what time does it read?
5:28
